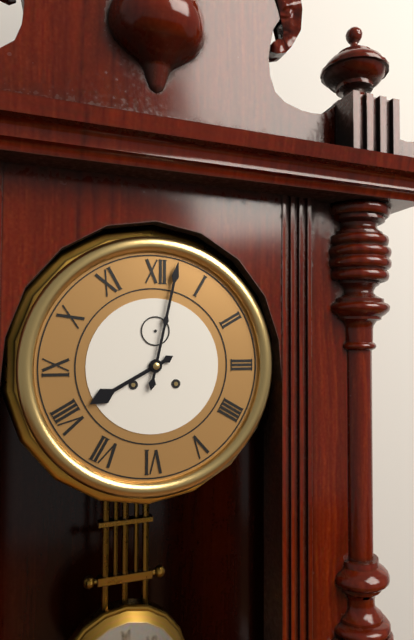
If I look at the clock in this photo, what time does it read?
8:02
